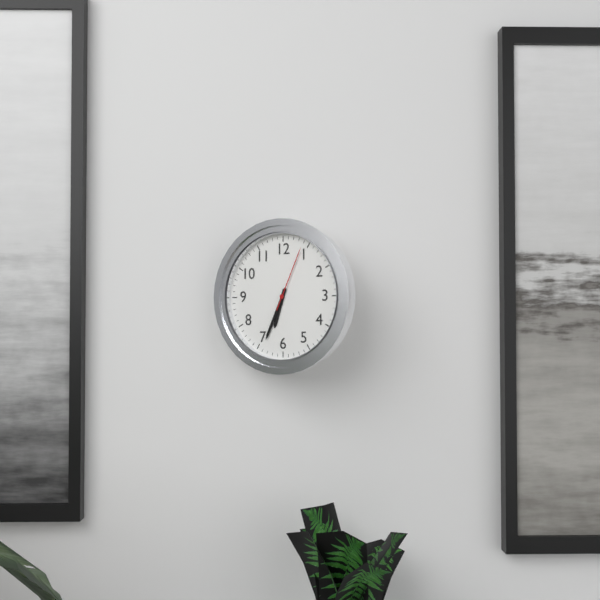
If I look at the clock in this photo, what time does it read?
6:34:04
